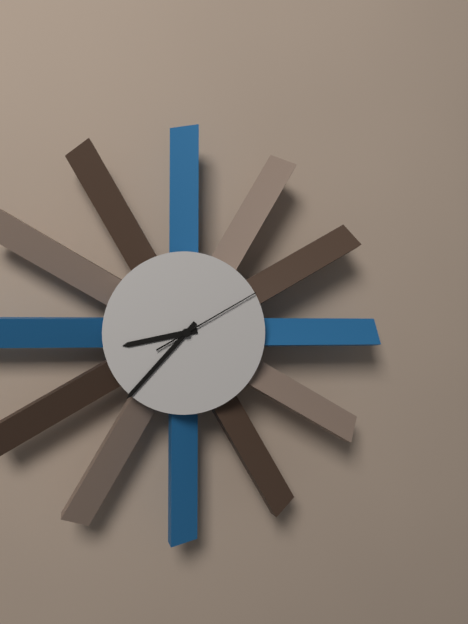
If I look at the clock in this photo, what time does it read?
8:37:10
